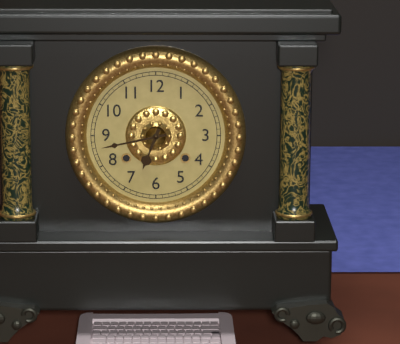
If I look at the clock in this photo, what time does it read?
6:43
